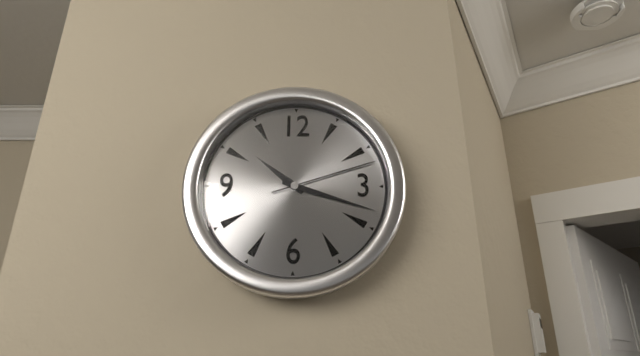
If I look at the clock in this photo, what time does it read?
10:18:12
